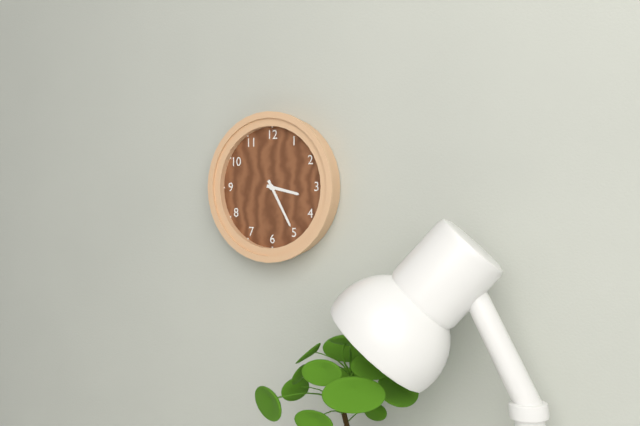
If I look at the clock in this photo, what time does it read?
3:25
